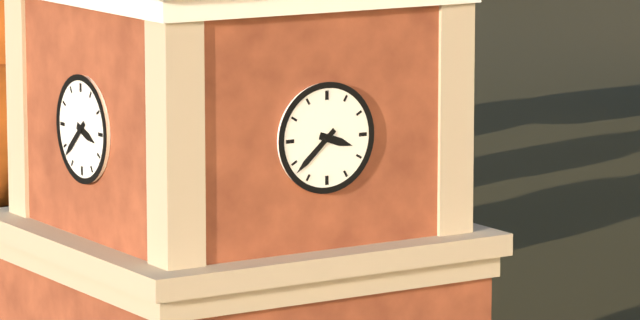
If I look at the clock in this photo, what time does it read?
3:38
